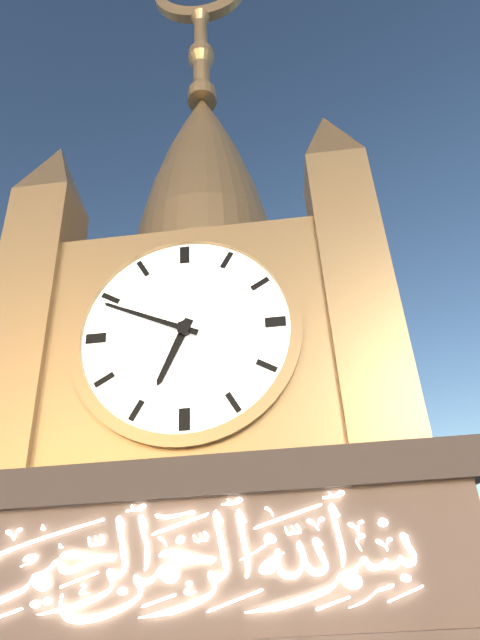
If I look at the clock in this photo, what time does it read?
6:49
